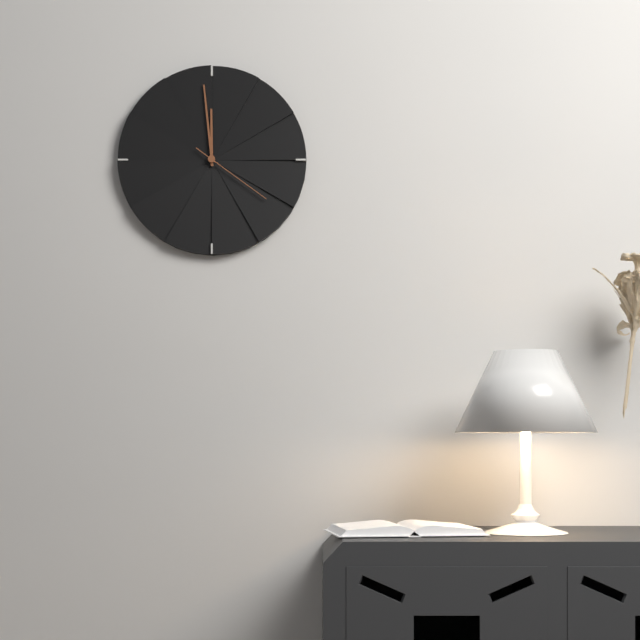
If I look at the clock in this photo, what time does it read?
11:59:21
